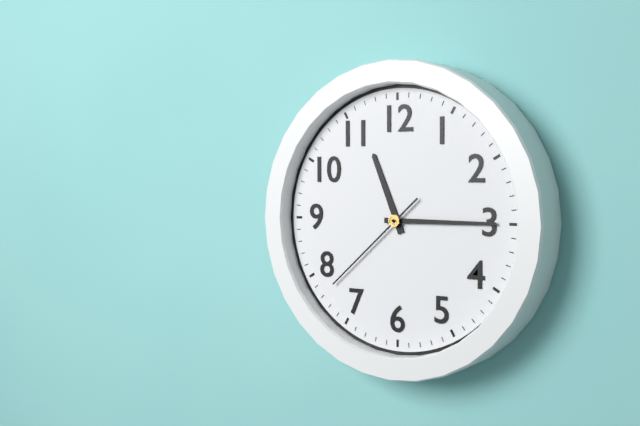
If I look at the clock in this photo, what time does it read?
11:15:38
